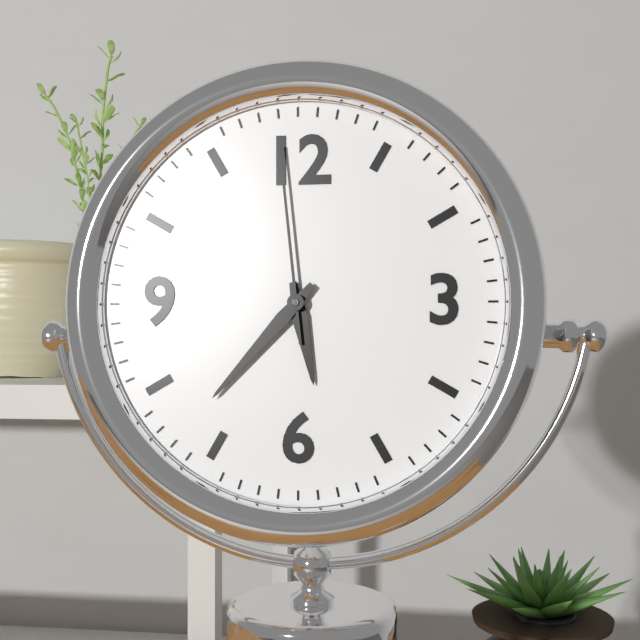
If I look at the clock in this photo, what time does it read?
5:37:59
